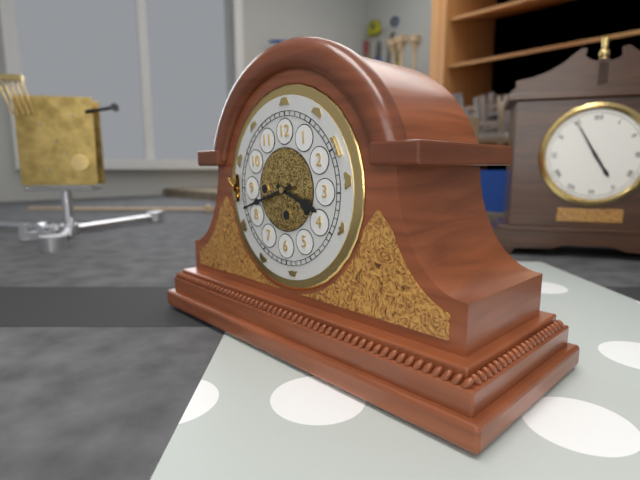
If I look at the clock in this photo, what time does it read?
3:42
